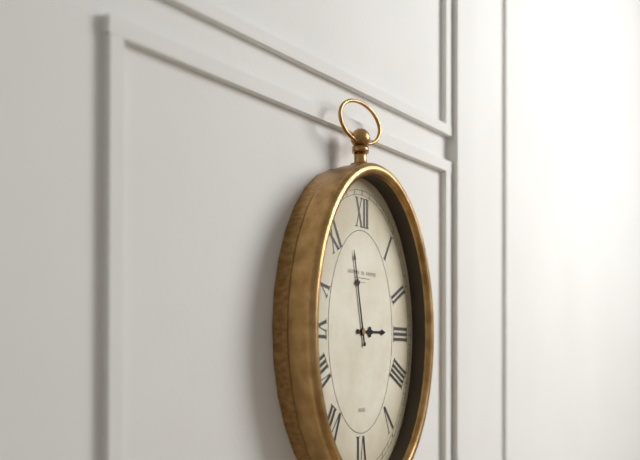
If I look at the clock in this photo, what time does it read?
2:58
